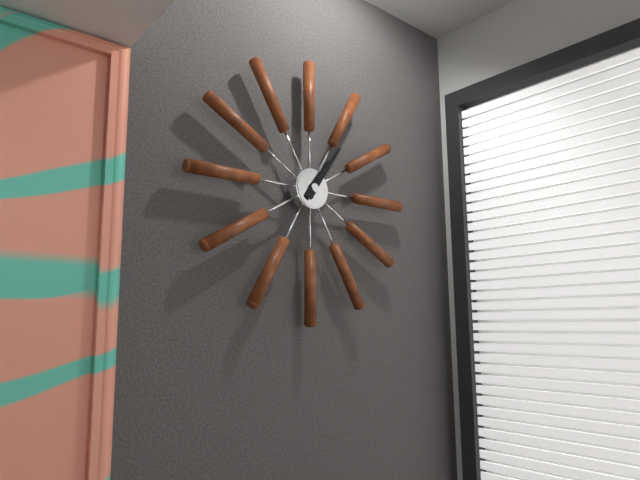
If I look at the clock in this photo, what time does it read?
1:06
